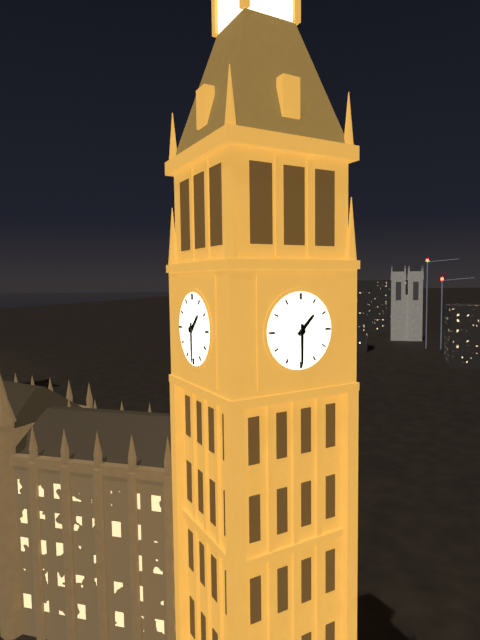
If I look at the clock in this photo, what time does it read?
1:30
